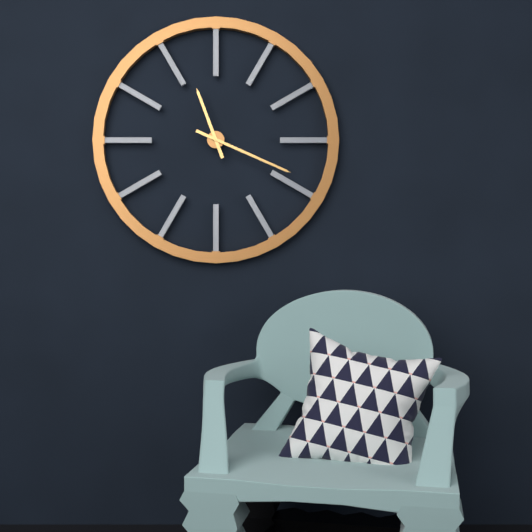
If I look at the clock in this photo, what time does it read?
11:19
